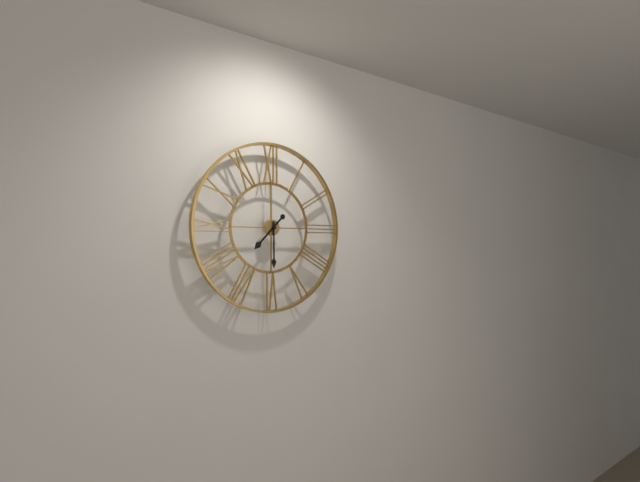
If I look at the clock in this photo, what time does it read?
7:30
